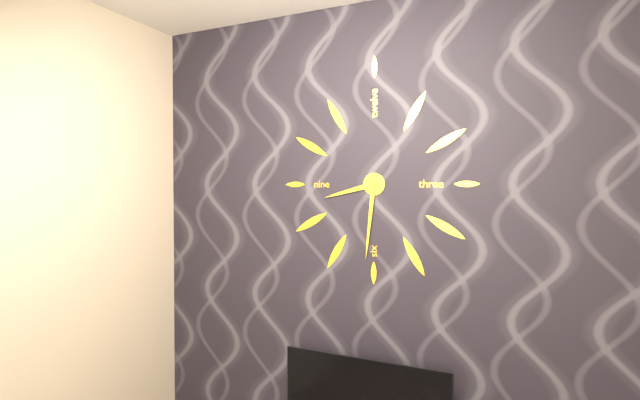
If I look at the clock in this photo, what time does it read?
8:31
